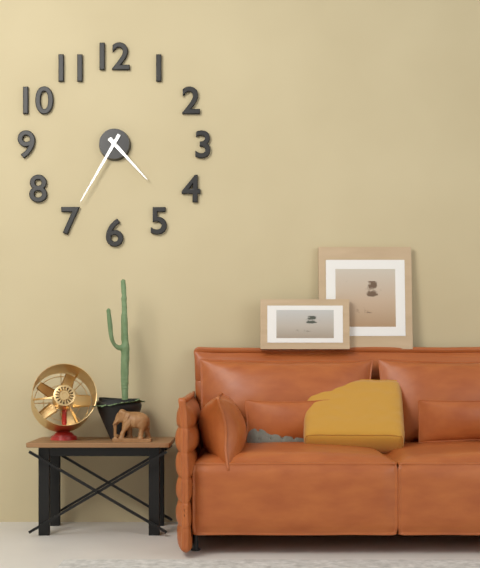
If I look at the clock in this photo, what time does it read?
4:35
